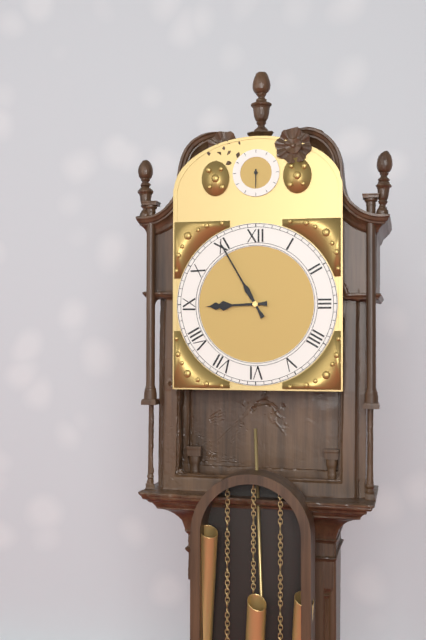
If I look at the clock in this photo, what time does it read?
8:55
